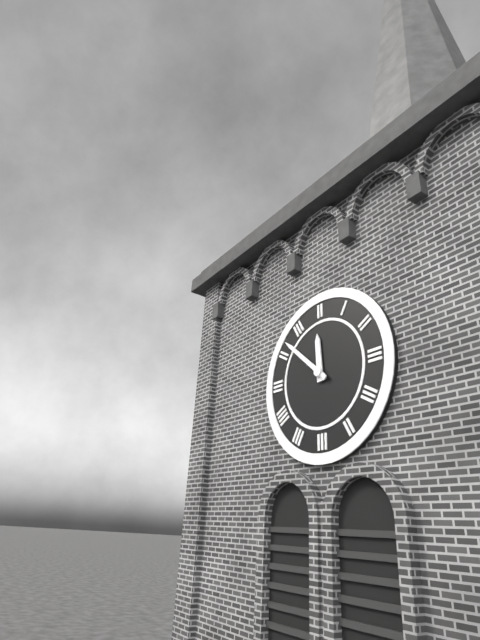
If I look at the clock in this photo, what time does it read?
11:52
